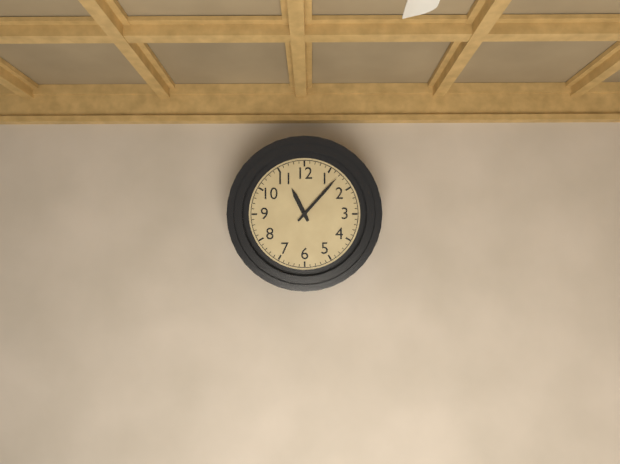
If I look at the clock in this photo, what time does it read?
11:07
